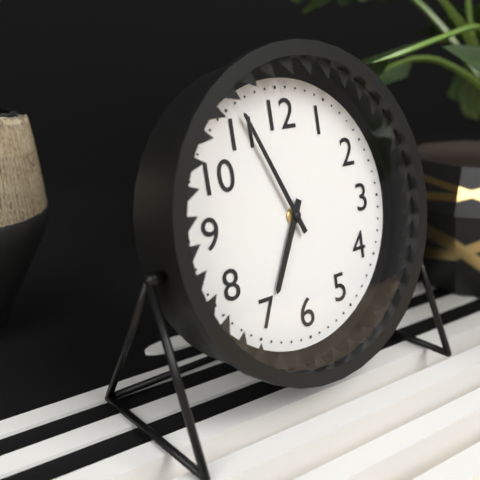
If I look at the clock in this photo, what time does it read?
6:56
